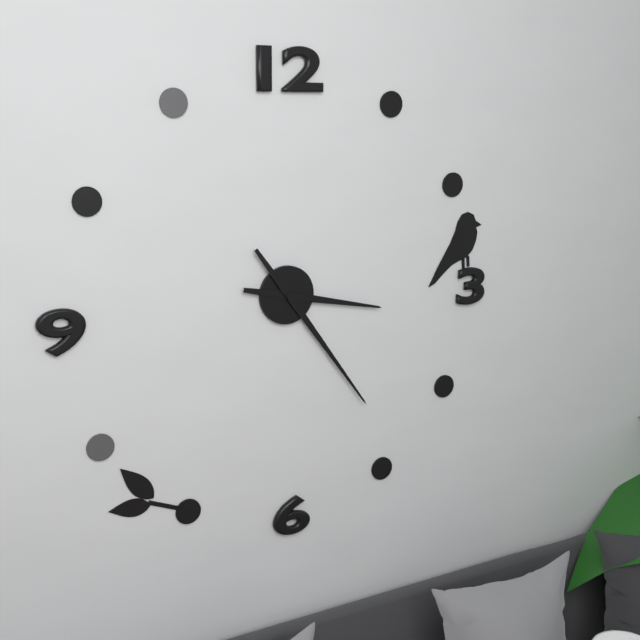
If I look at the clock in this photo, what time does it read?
3:24
